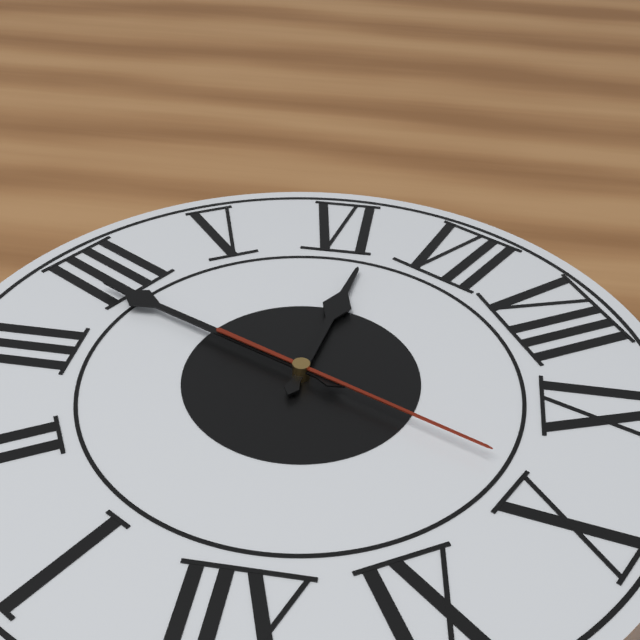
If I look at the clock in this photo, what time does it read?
6:19:49
